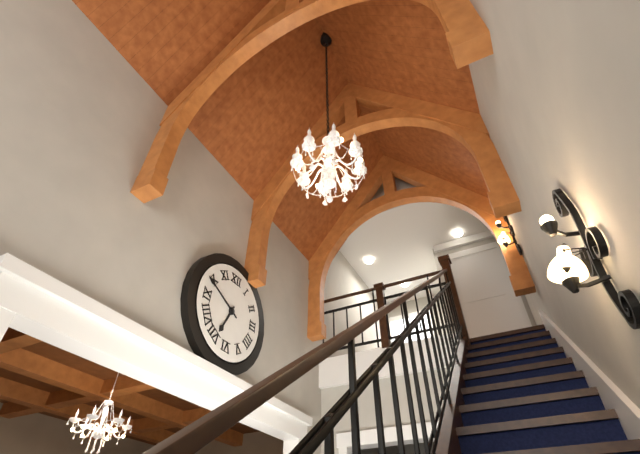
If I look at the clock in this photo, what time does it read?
6:49
